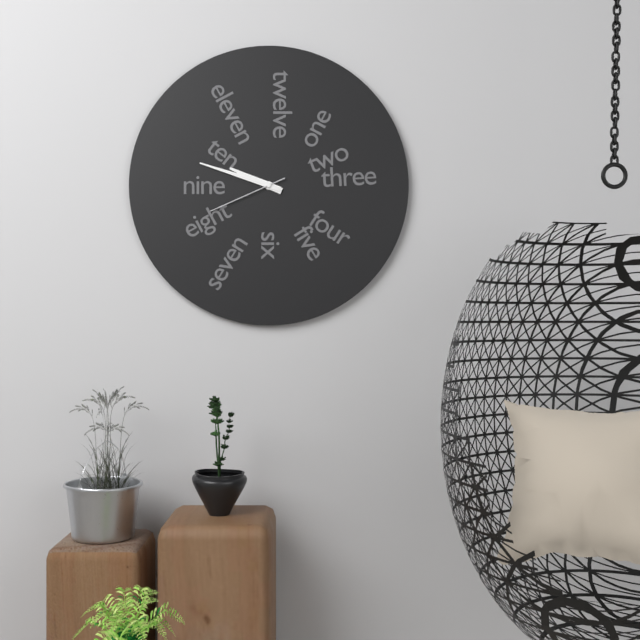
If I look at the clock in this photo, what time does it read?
9:48:41
